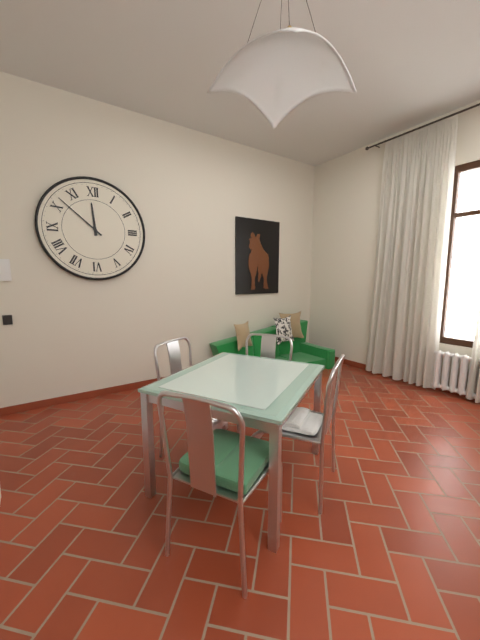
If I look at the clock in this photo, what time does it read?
11:52
